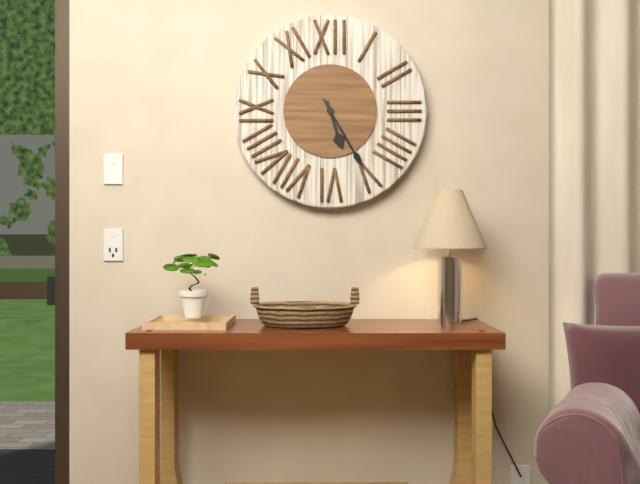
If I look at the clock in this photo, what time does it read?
5:25
